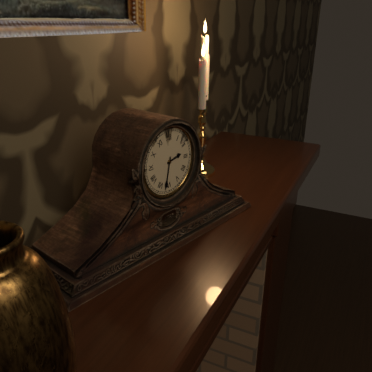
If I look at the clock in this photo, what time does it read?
2:32
